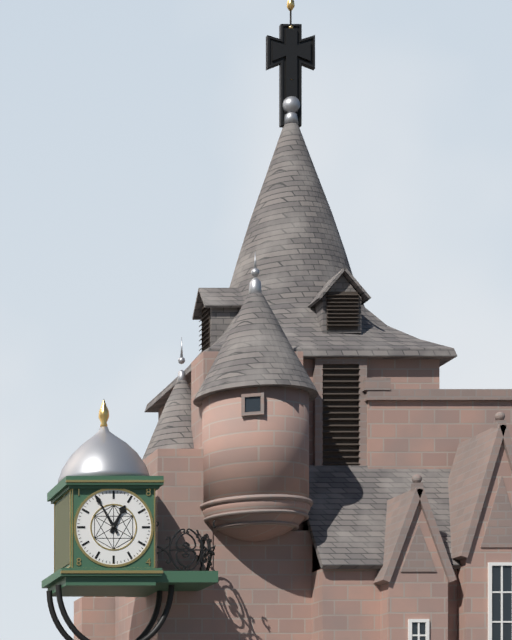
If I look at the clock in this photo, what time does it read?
12:55
